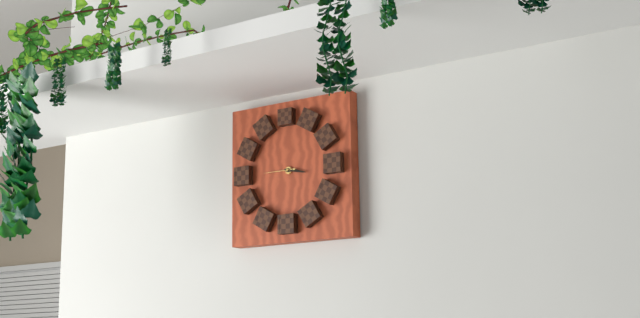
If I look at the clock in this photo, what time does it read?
3:17
